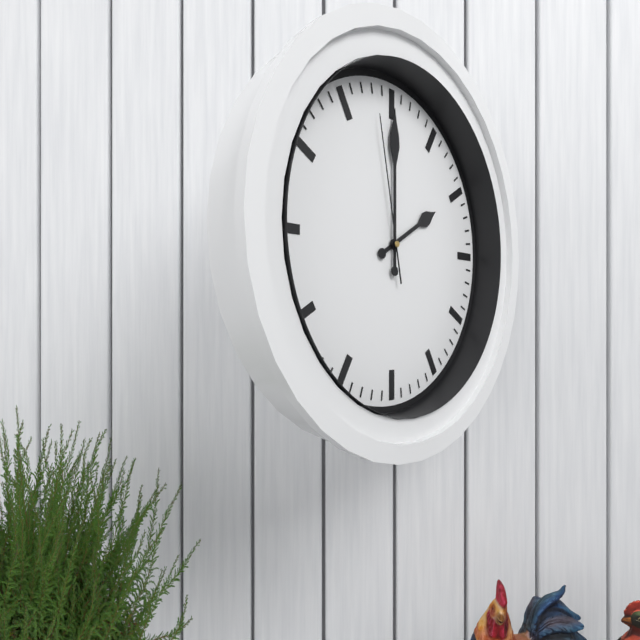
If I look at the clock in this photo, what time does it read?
2:00:58
